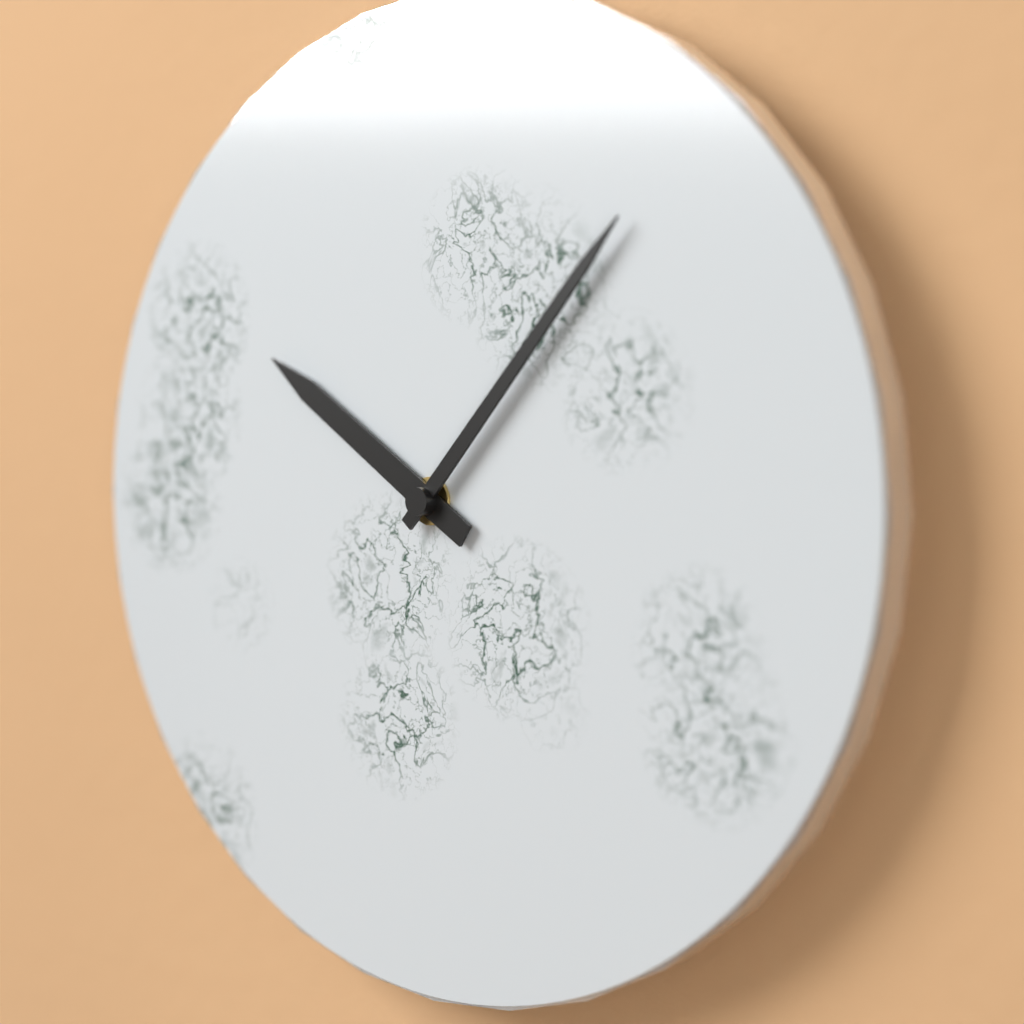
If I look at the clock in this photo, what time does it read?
10:07
